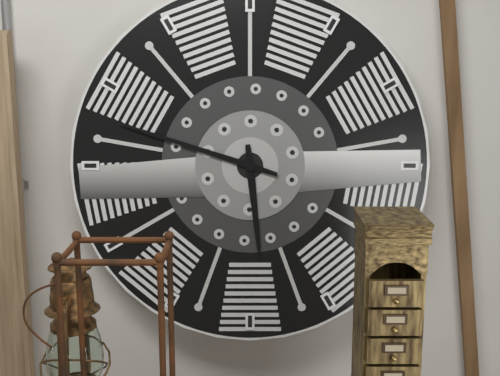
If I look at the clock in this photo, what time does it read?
5:48
